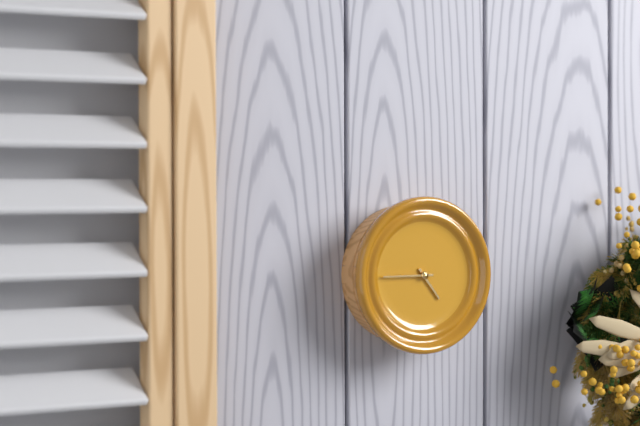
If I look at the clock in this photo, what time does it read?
4:45
